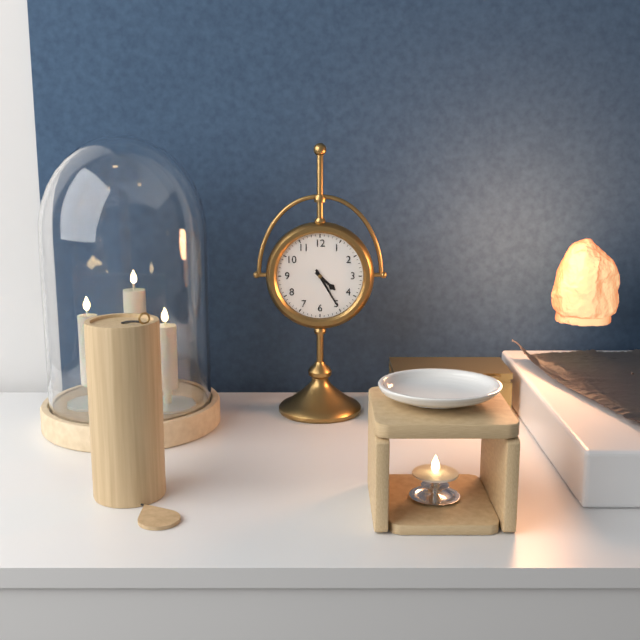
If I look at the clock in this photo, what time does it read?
4:25
